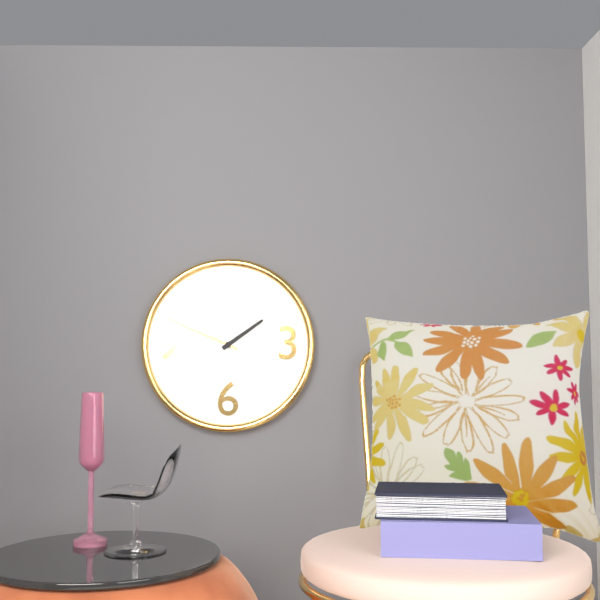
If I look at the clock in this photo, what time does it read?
1:49
